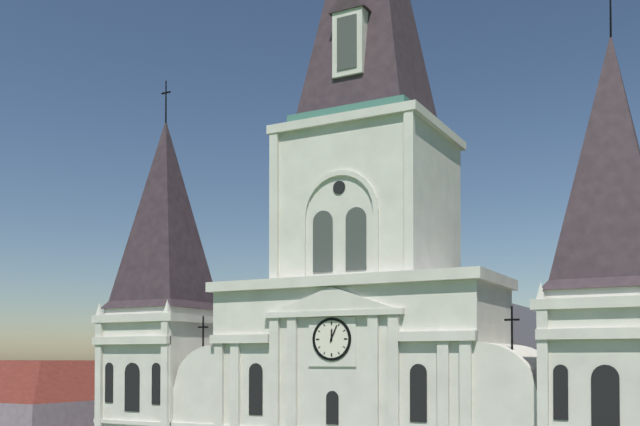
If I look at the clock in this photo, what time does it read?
12:04
